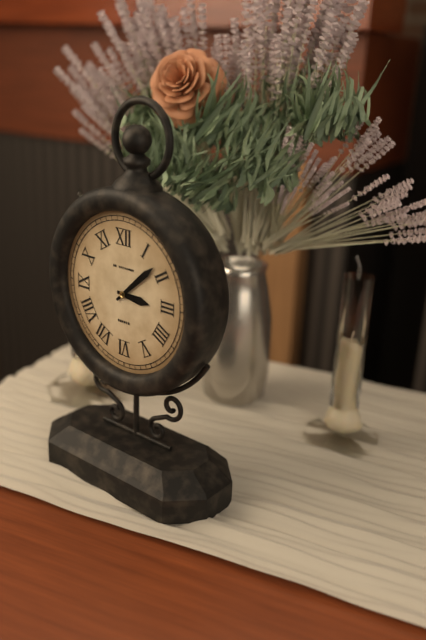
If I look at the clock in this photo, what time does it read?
3:08
